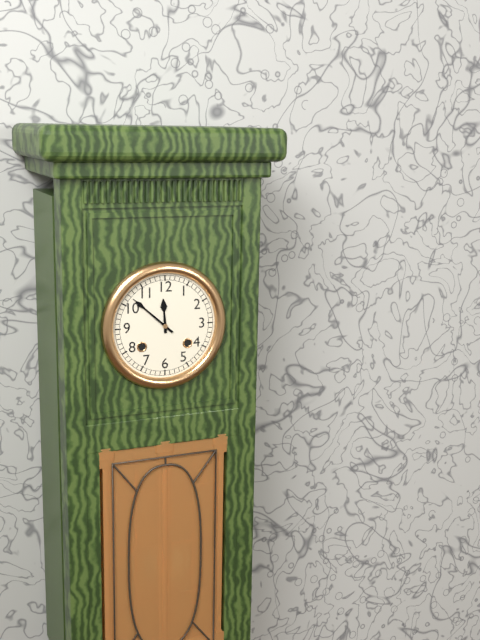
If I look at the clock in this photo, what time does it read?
11:52
